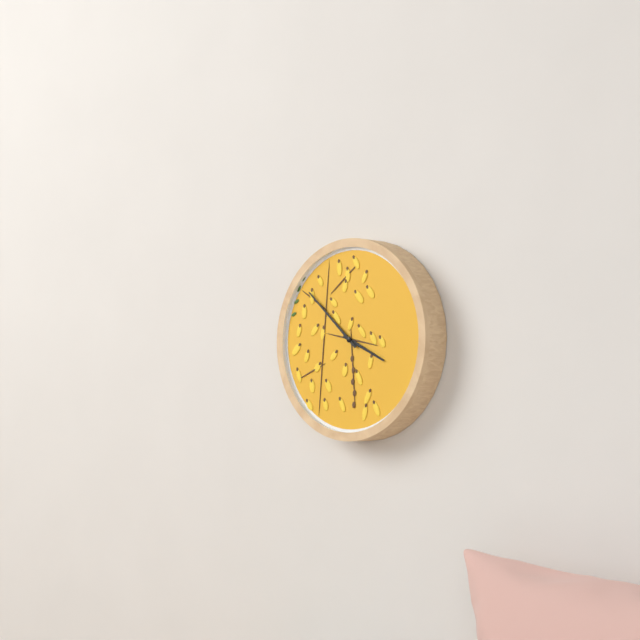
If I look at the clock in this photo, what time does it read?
3:52
